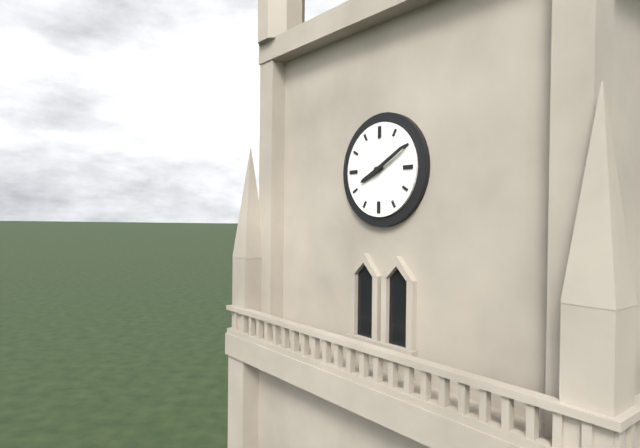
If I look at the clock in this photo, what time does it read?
8:10
